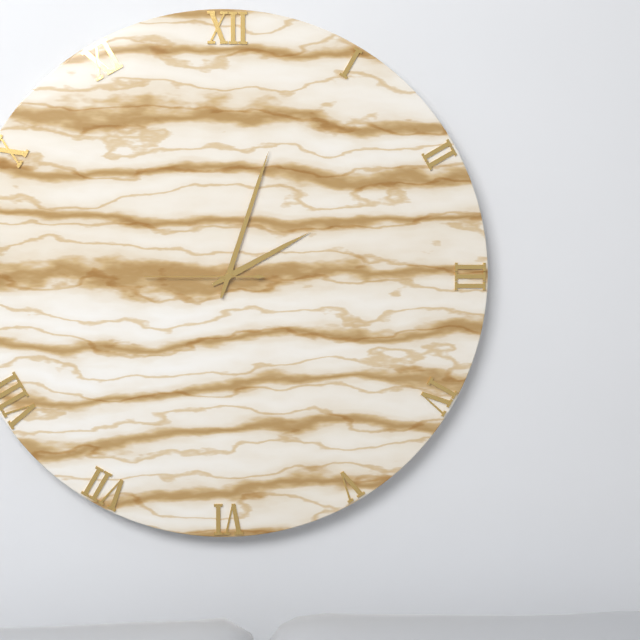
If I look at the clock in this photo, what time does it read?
2:03:45
